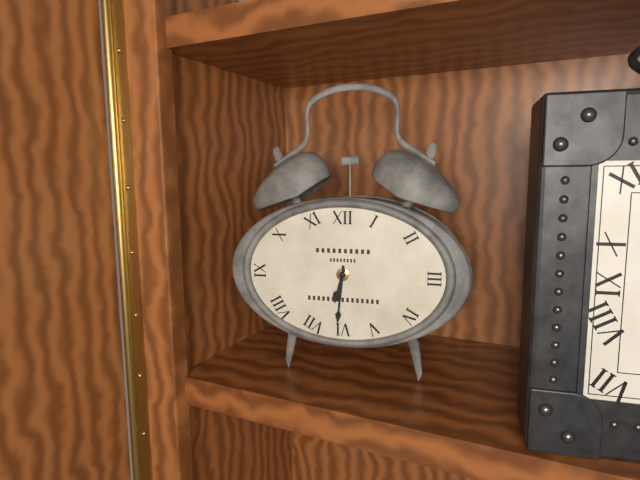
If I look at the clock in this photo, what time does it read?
6:31
